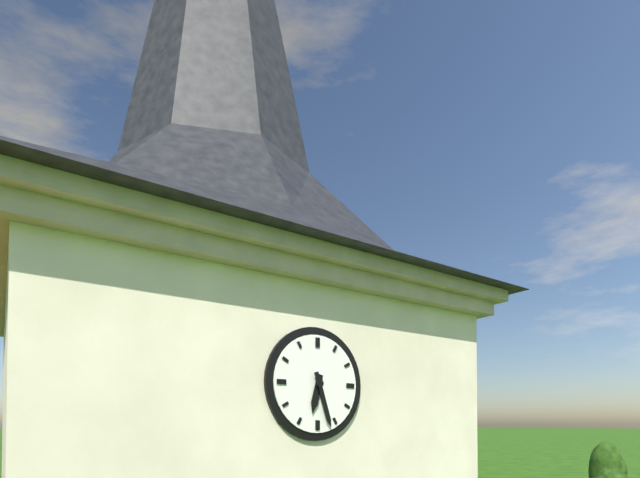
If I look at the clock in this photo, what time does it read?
6:27
